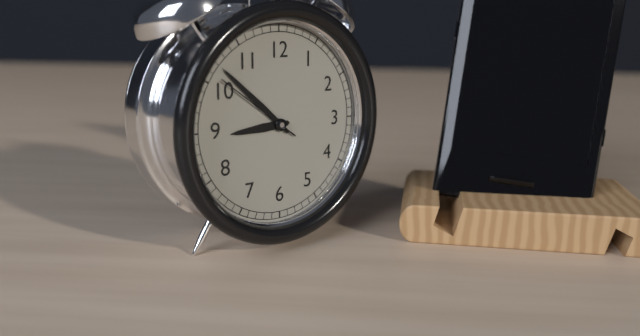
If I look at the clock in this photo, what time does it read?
8:52:51
